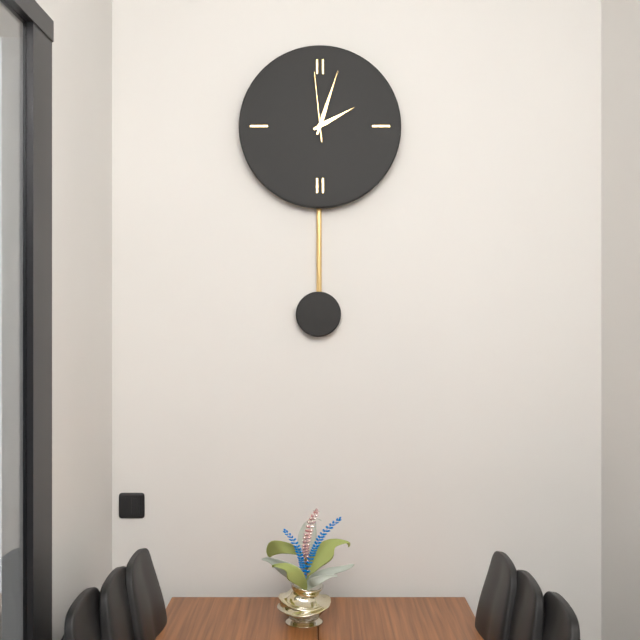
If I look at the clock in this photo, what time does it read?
2:03:59
